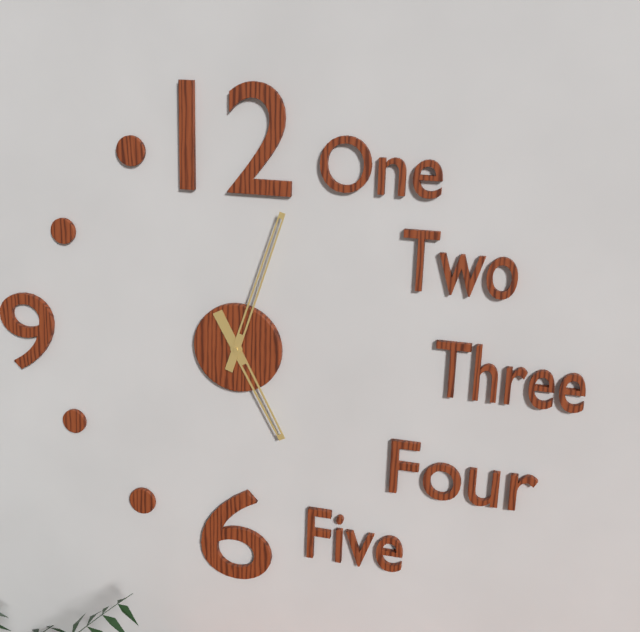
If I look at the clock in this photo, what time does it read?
5:03
